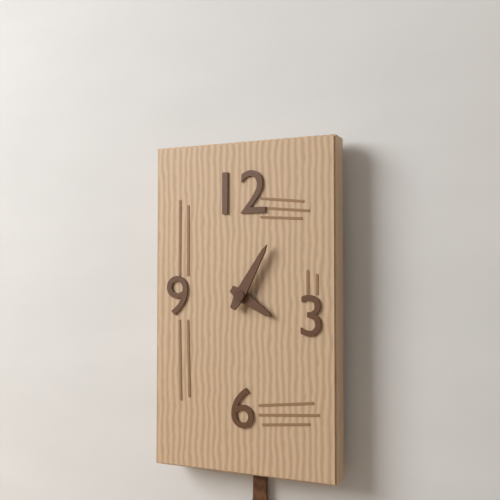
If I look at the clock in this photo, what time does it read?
4:05
